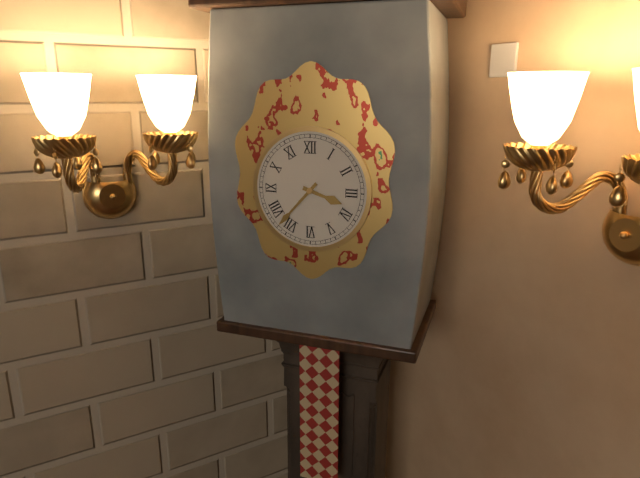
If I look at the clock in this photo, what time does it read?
3:37
